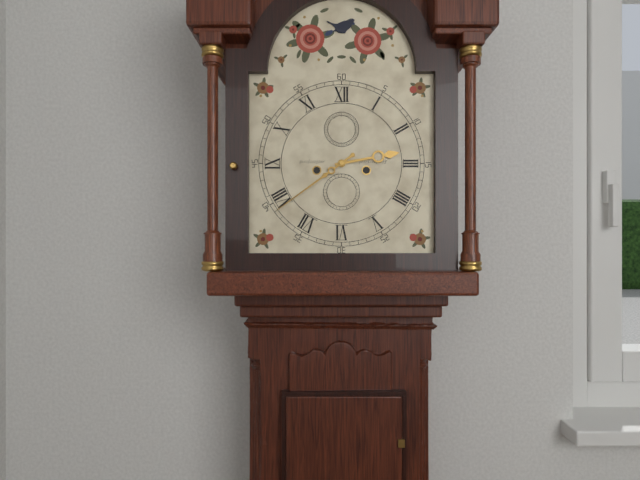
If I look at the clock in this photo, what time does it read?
2:39
